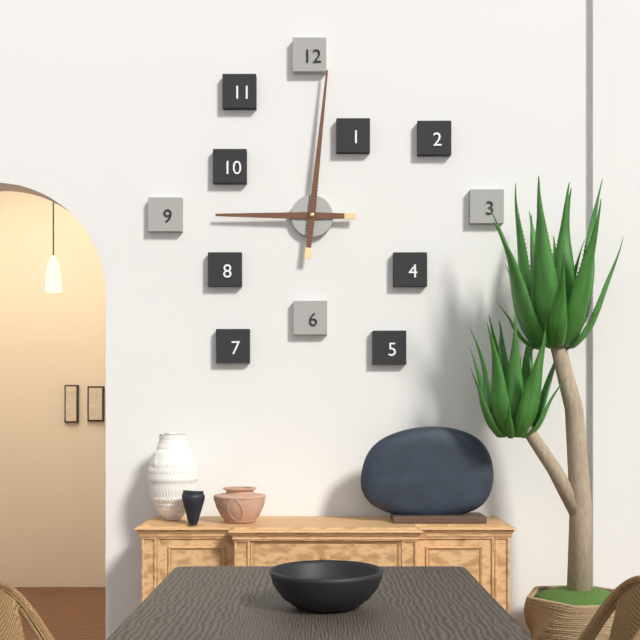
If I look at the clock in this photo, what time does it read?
9:01
